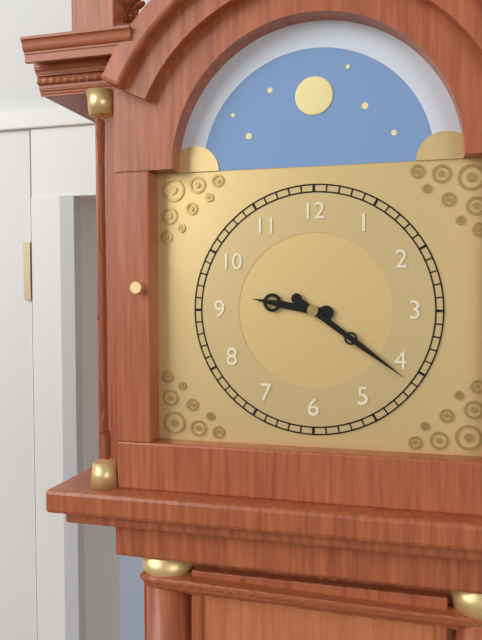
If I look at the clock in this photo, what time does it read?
9:21
